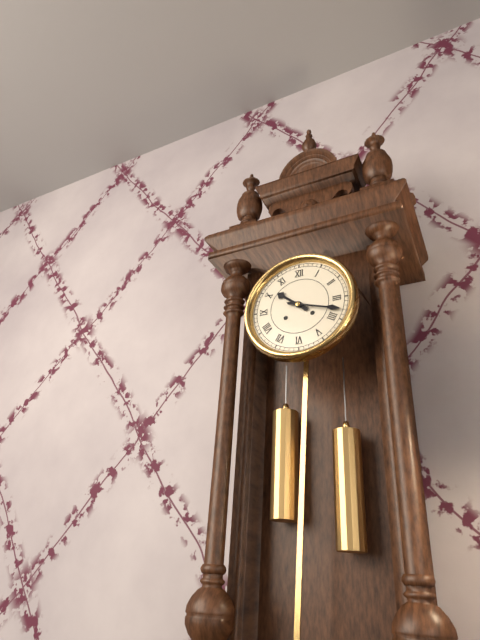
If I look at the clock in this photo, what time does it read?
10:18
